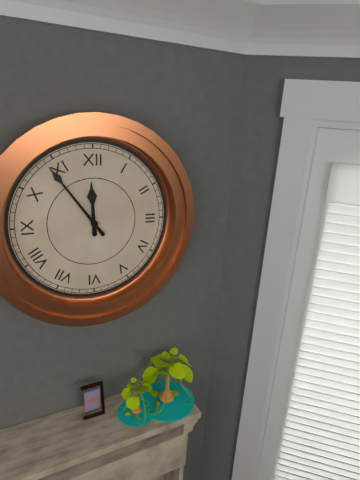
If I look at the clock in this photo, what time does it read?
11:54
